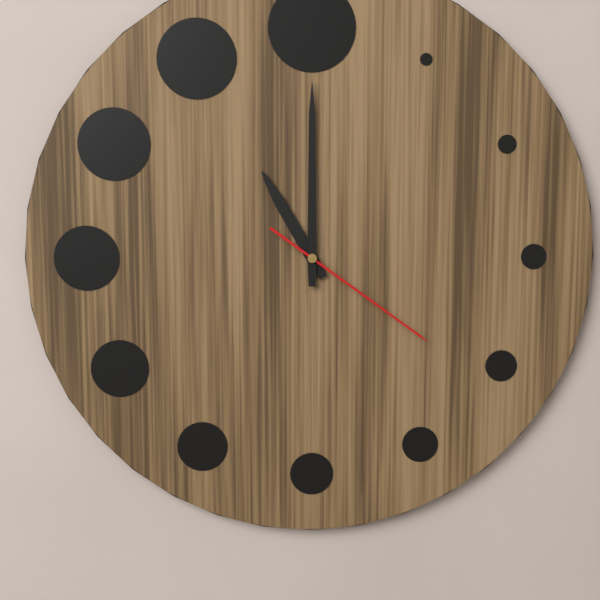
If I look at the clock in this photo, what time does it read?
11:00:21
